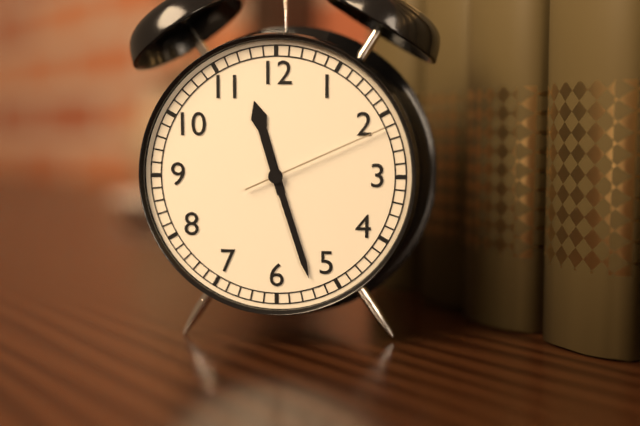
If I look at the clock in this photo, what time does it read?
11:27:11
